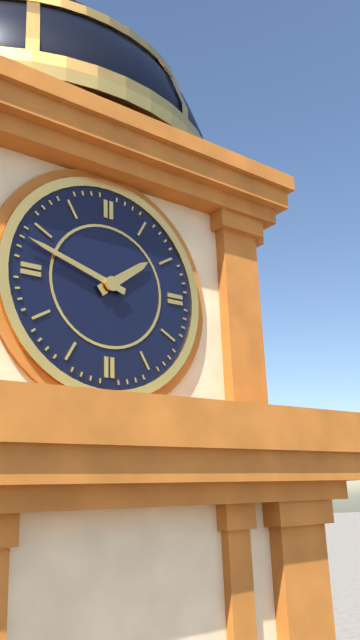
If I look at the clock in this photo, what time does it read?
1:48
